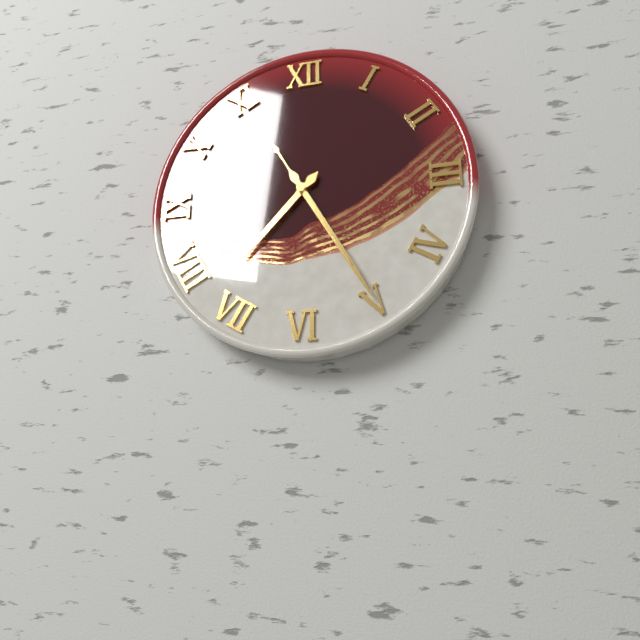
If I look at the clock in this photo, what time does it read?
7:25:25
